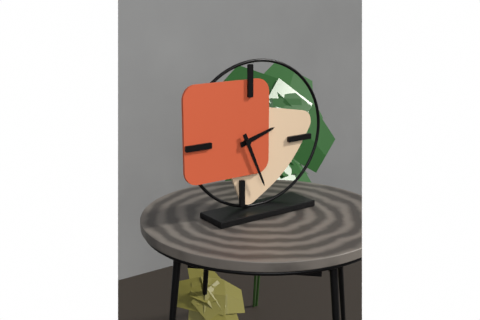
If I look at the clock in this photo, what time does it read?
2:26
